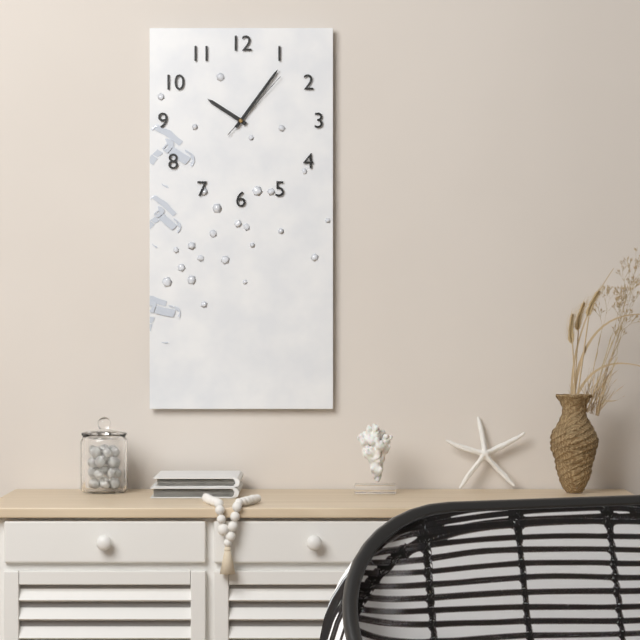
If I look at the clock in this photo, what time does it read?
10:06:07
